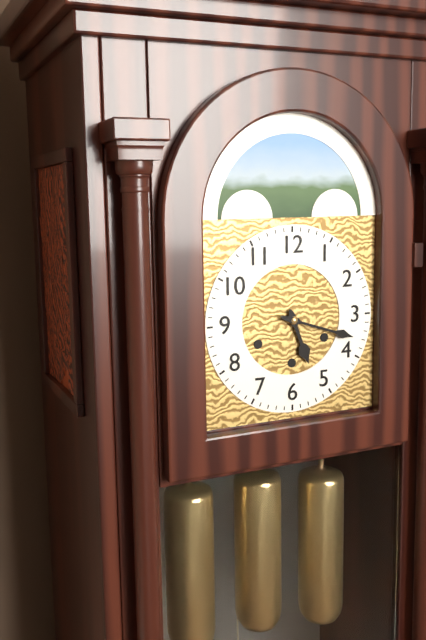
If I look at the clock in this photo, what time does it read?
5:18
